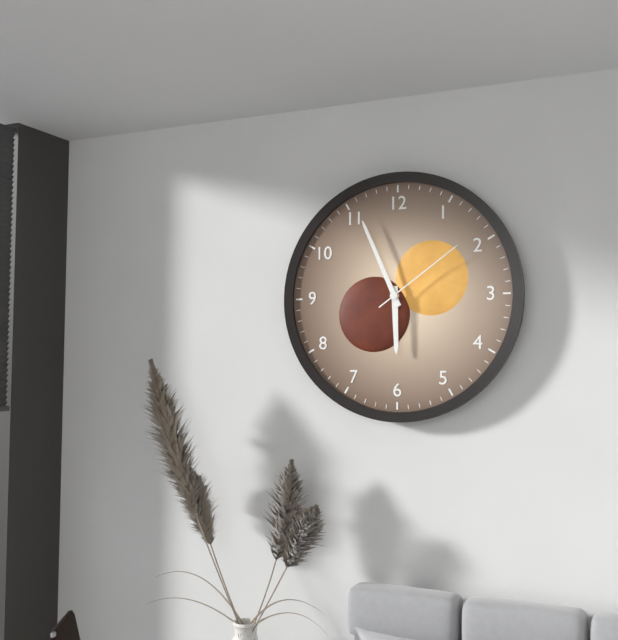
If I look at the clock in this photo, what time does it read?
5:56:09
